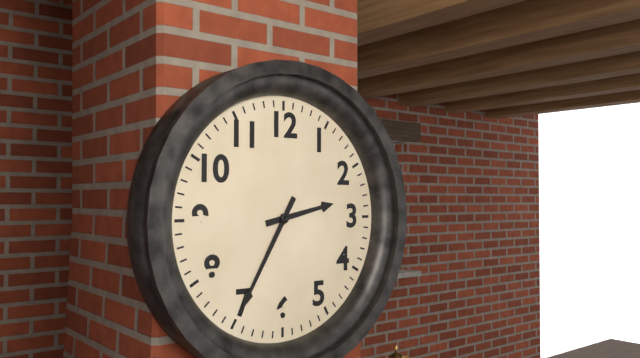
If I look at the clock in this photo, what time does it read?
2:35
